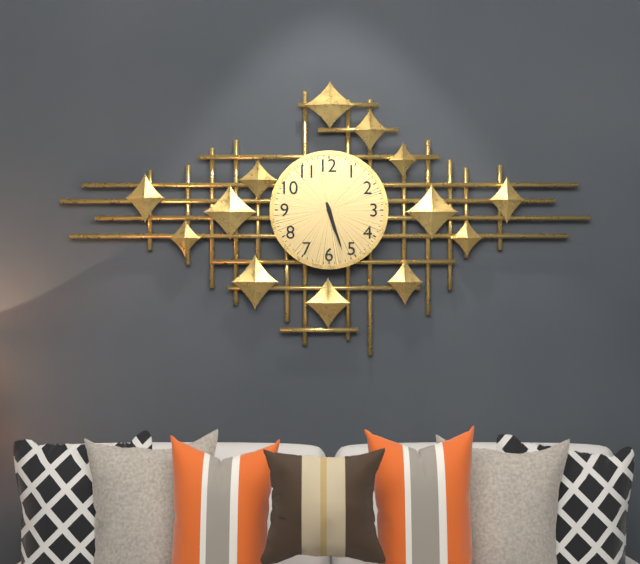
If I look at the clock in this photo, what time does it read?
5:27
